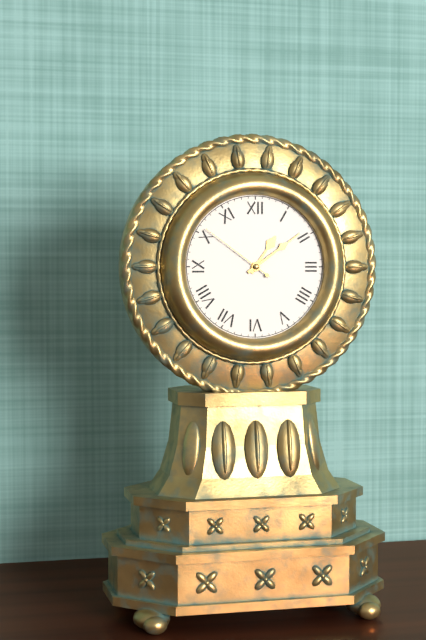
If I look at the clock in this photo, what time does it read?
1:09:51
